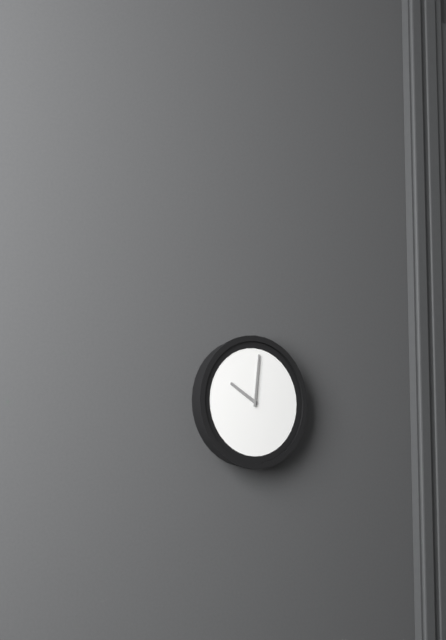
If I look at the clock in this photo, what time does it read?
10:01
